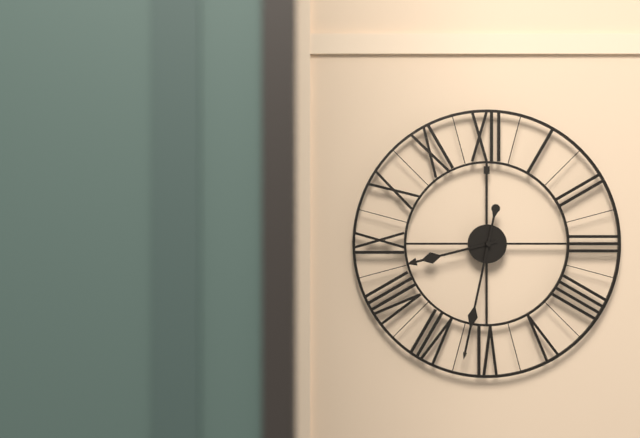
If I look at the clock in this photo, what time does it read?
8:32
